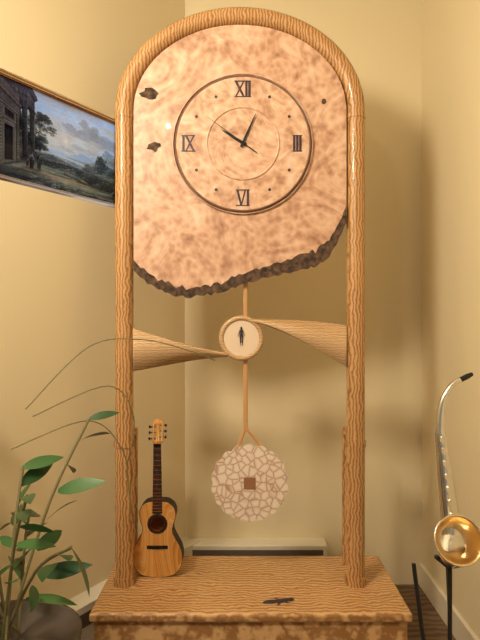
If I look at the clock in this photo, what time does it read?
10:04:51
